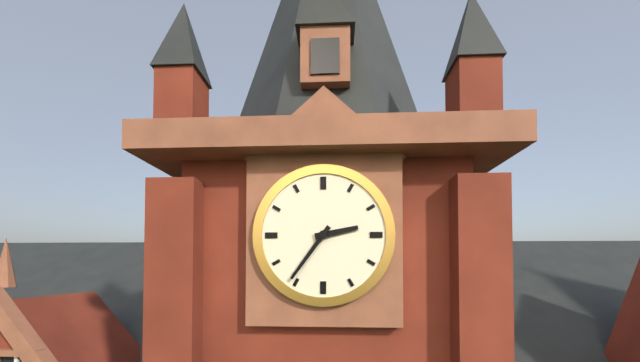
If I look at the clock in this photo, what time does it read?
2:36
